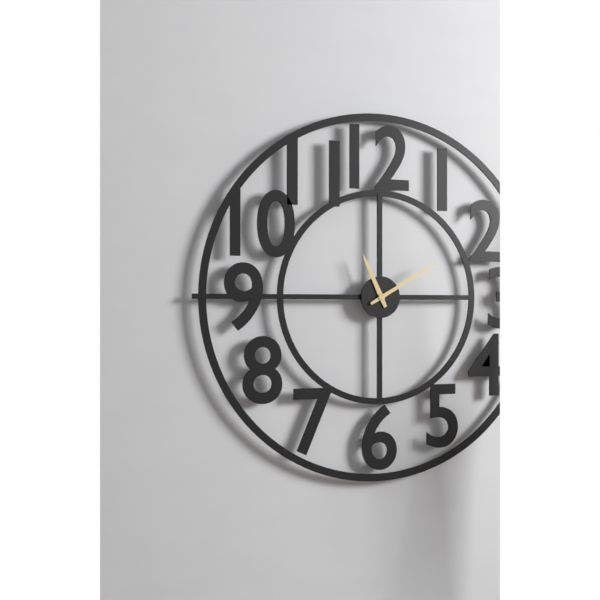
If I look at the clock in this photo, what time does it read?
11:10
